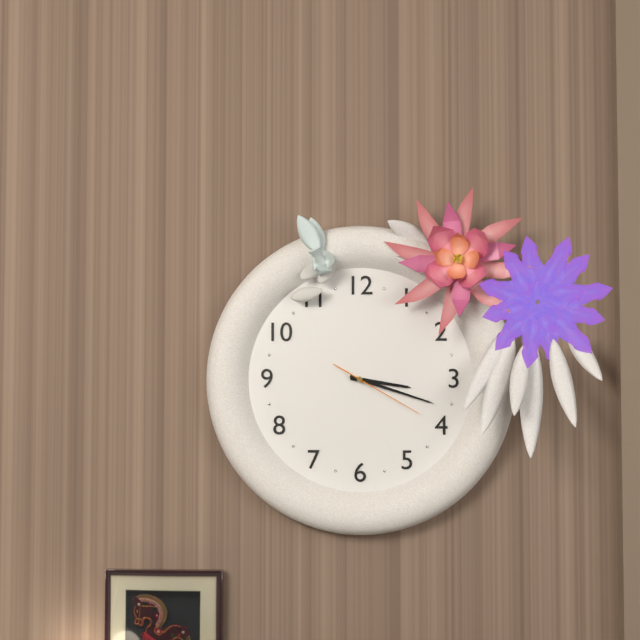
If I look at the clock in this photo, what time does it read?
3:18:20
